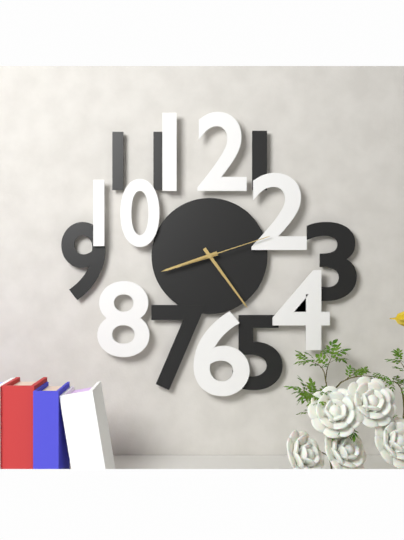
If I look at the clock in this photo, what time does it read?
8:24:12
